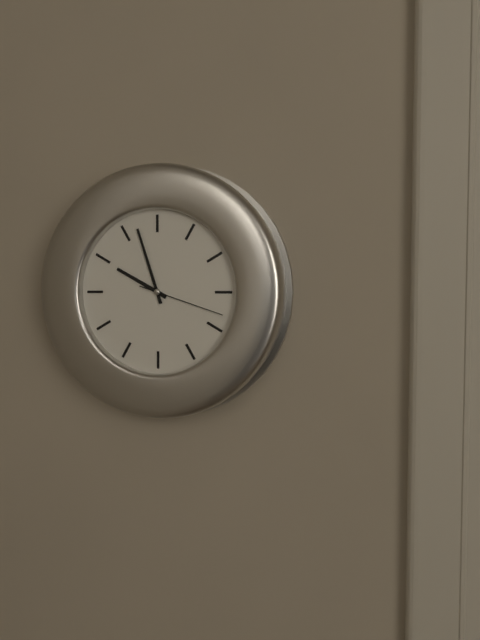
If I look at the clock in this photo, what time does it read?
9:57:18
